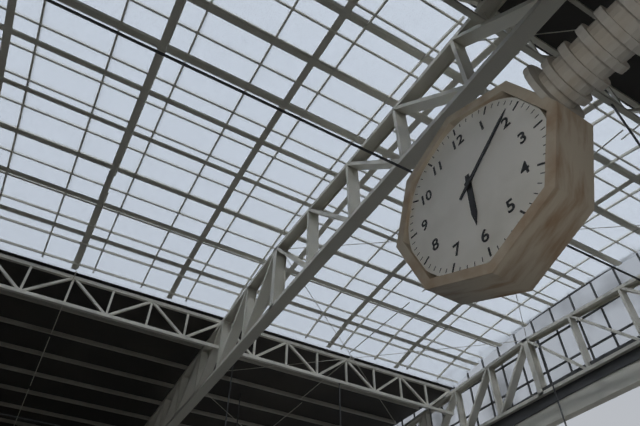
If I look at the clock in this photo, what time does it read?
6:09
